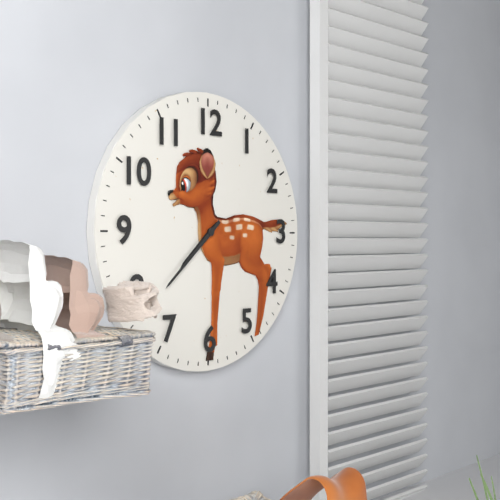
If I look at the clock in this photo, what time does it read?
7:38
